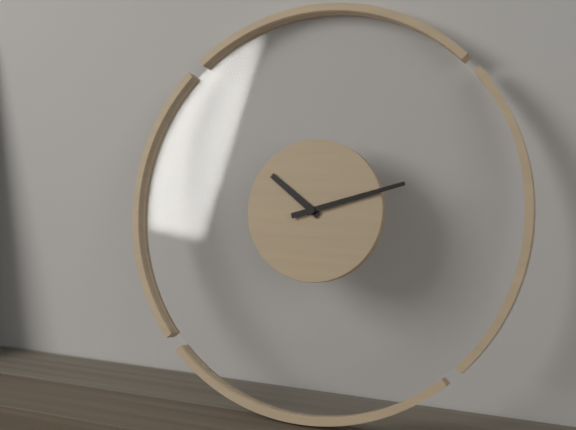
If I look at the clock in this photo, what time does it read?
10:12
